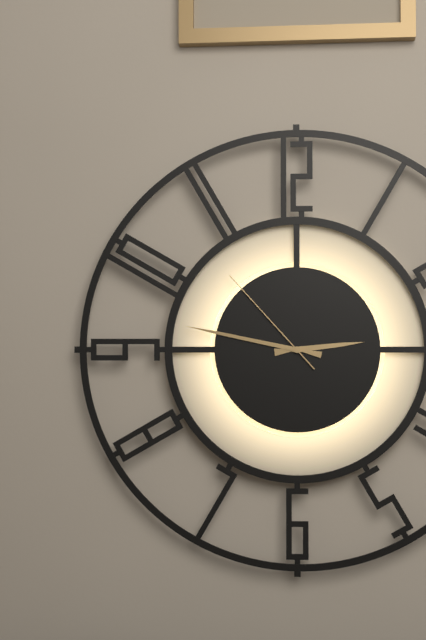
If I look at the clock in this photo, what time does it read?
2:47:53
